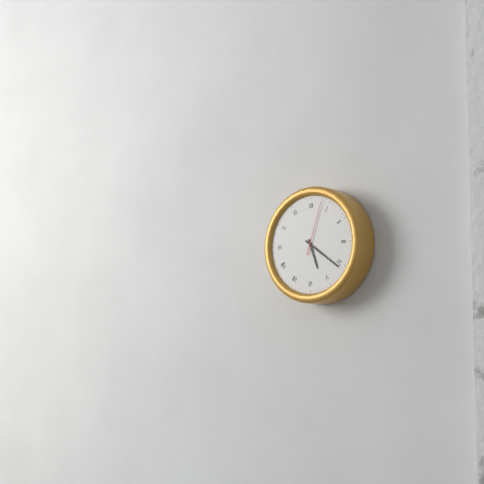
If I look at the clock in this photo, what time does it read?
5:21:03
